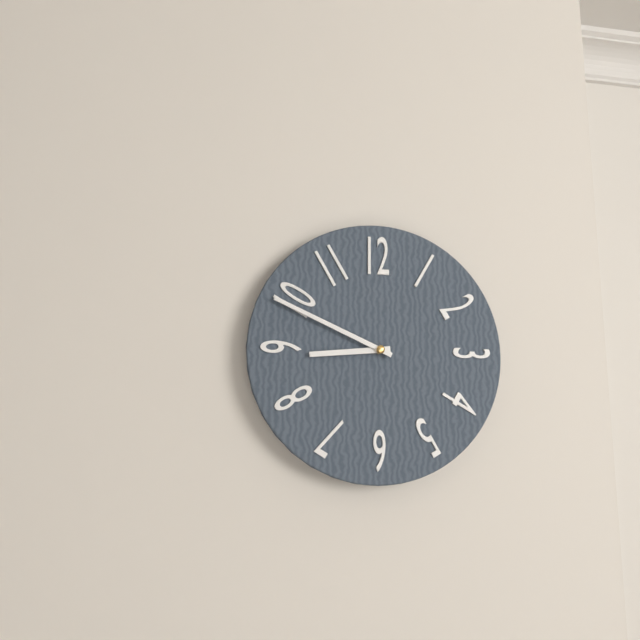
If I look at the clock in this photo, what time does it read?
8:49
